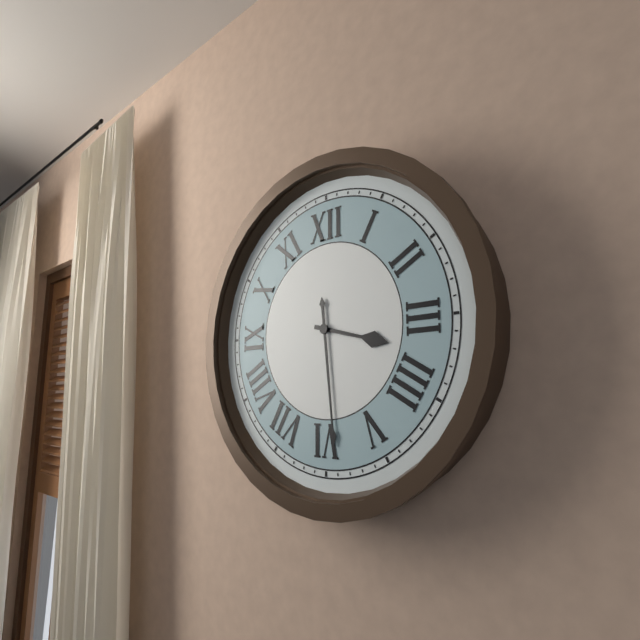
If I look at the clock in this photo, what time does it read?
3:29
